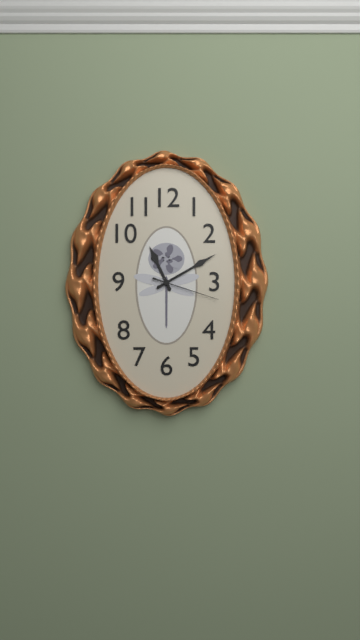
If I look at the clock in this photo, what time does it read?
11:10:18
